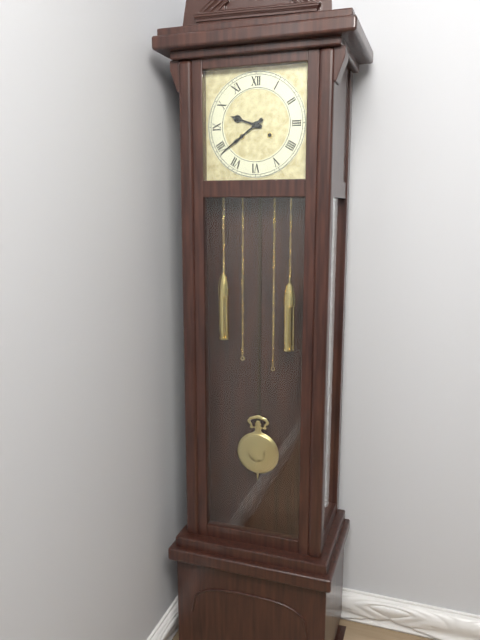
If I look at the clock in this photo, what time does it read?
9:39
